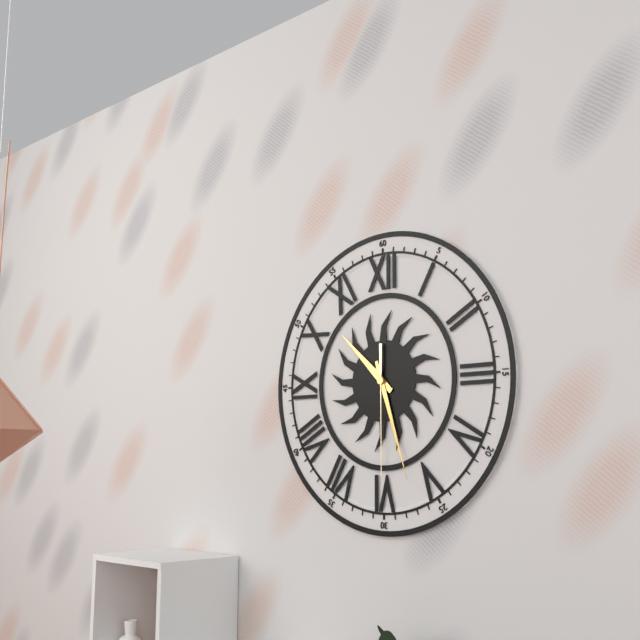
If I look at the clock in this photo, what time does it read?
10:27:30
